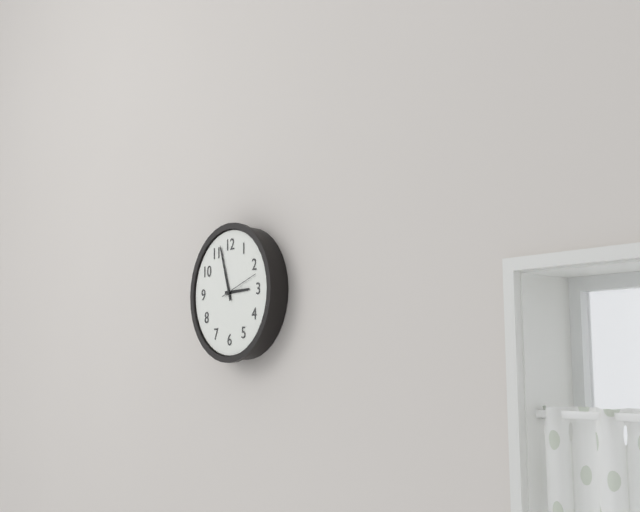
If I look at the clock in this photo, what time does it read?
2:57
